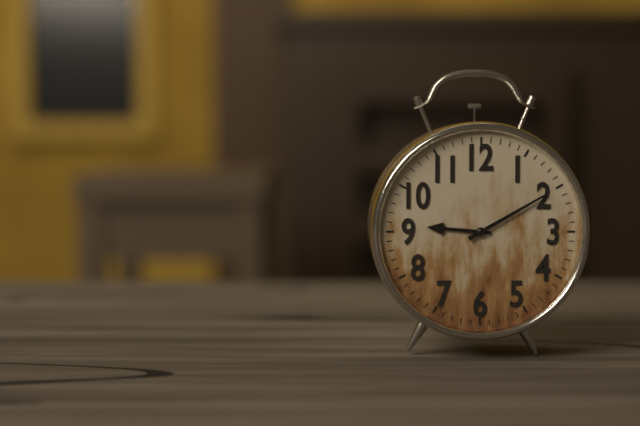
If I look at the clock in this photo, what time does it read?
9:10
